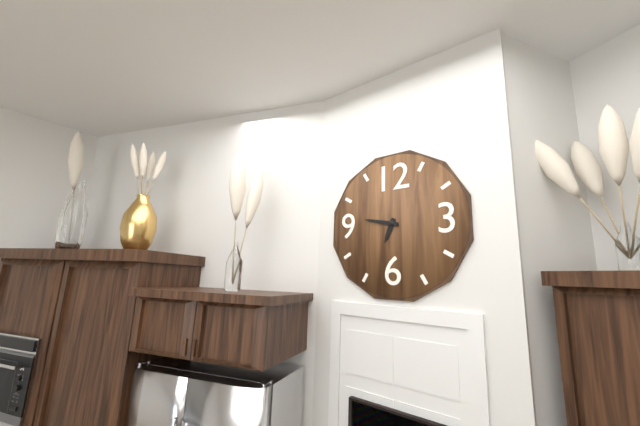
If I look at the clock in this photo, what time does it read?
6:47
